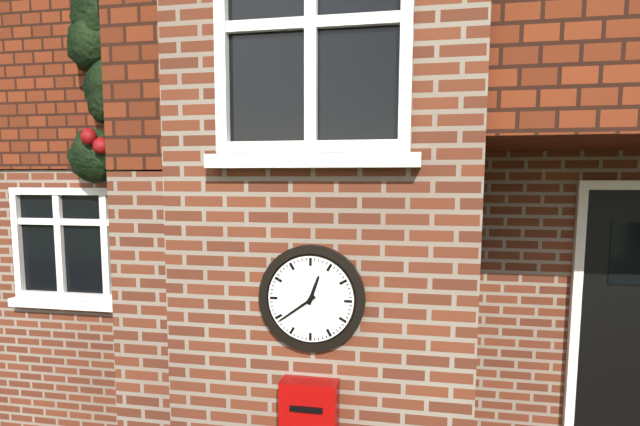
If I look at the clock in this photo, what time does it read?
12:39
